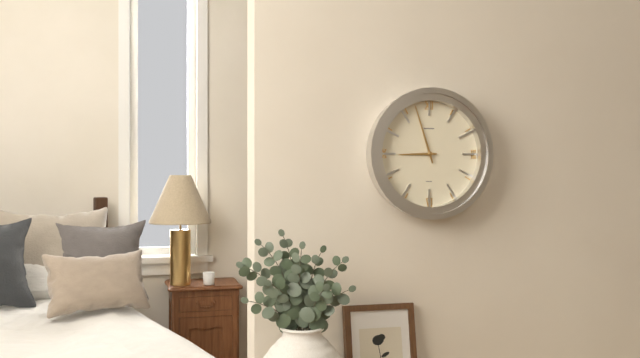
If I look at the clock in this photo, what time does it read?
8:57
